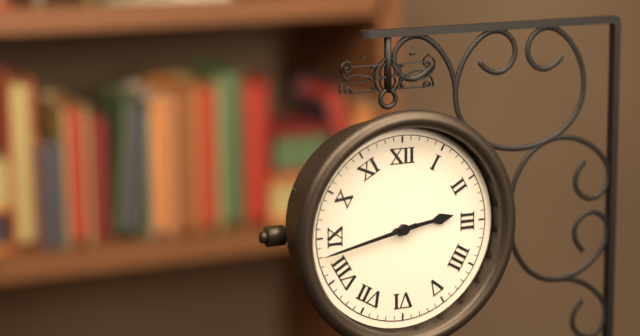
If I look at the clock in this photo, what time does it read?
2:43
